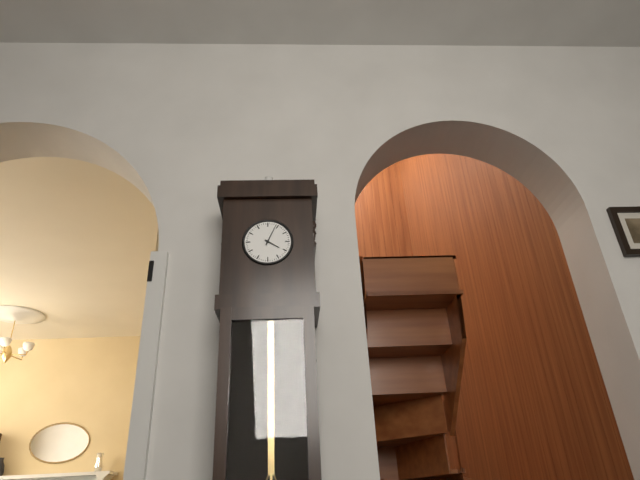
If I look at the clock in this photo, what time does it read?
4:04
